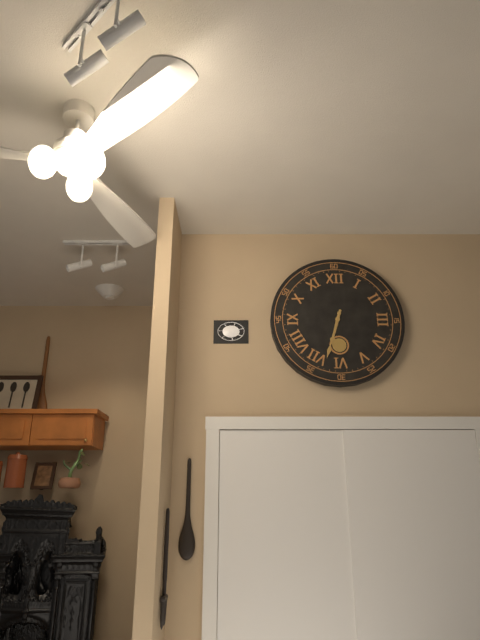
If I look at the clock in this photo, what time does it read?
6:33
